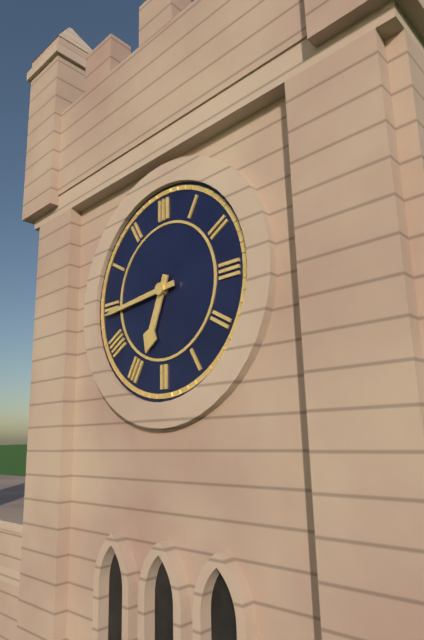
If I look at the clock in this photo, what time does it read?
6:44
